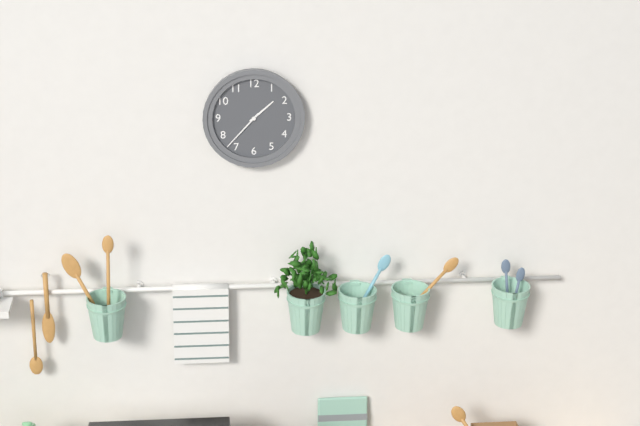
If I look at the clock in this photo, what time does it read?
1:37
